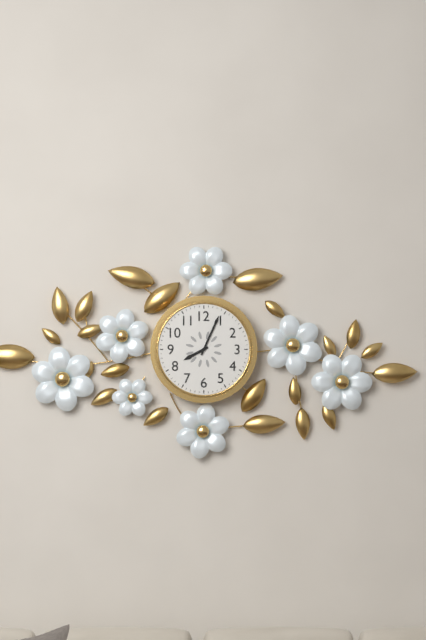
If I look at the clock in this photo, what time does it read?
8:04
